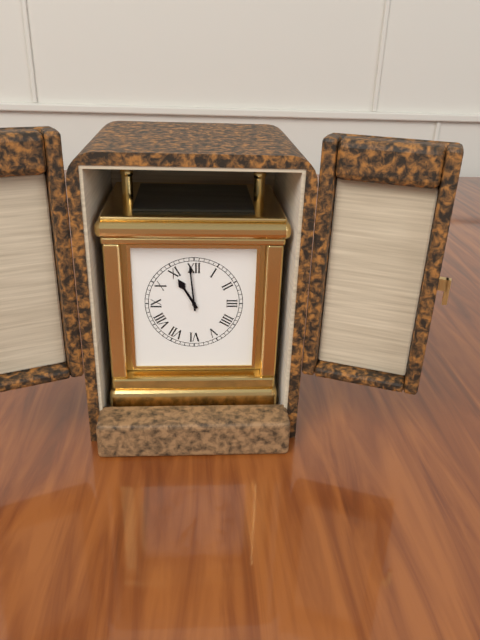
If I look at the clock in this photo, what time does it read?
10:59
